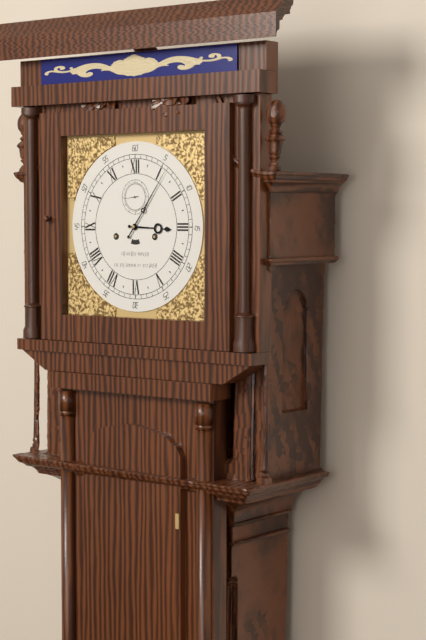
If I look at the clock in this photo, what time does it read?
3:06
